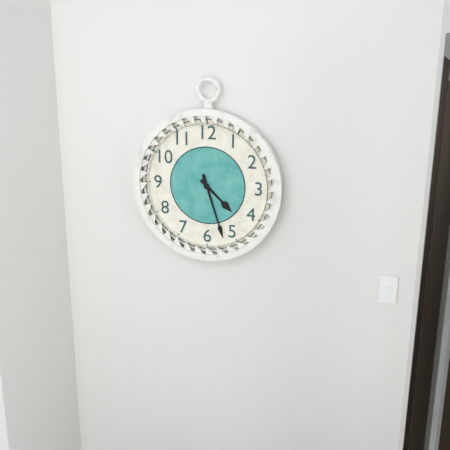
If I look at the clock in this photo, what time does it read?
4:27
